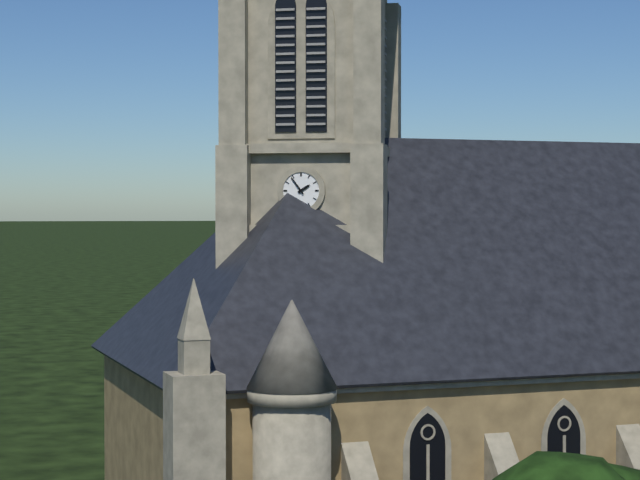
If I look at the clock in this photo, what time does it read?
1:54
